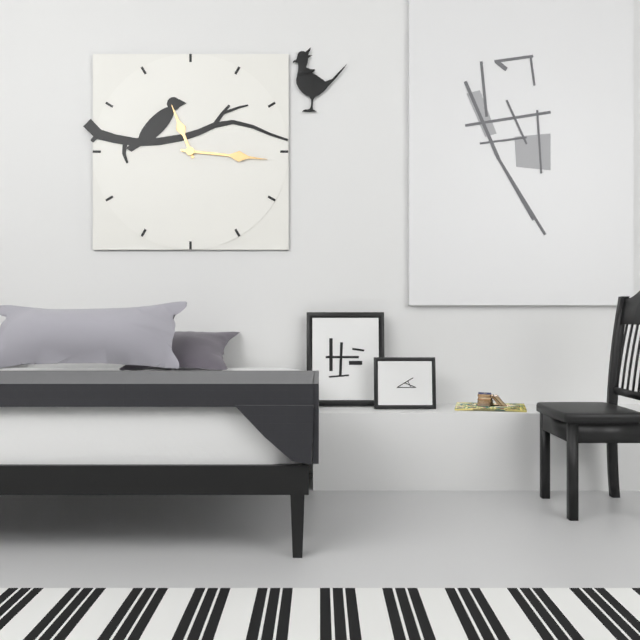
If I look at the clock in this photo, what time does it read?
11:16
